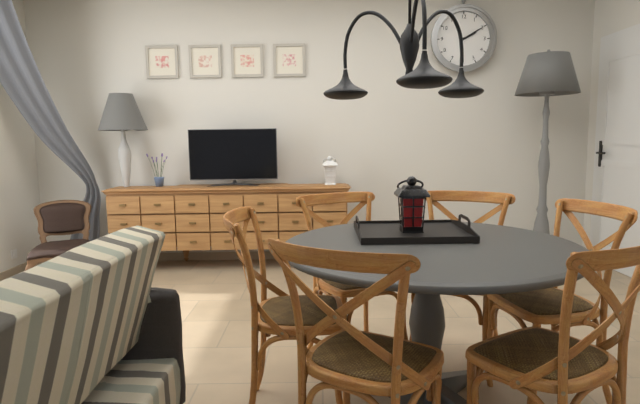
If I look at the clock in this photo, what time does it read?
2:10
